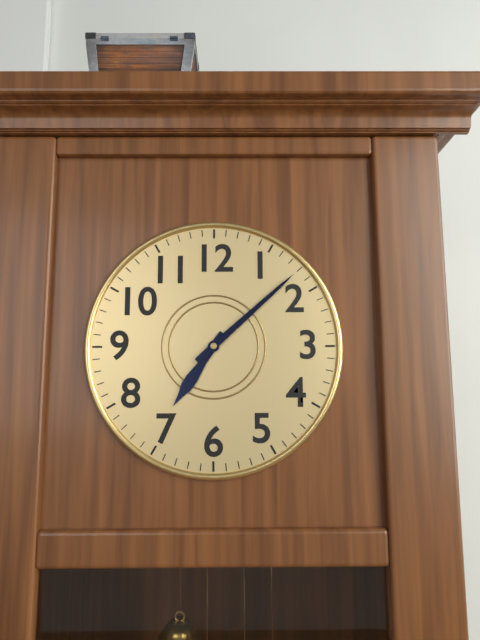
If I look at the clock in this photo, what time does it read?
7:08
